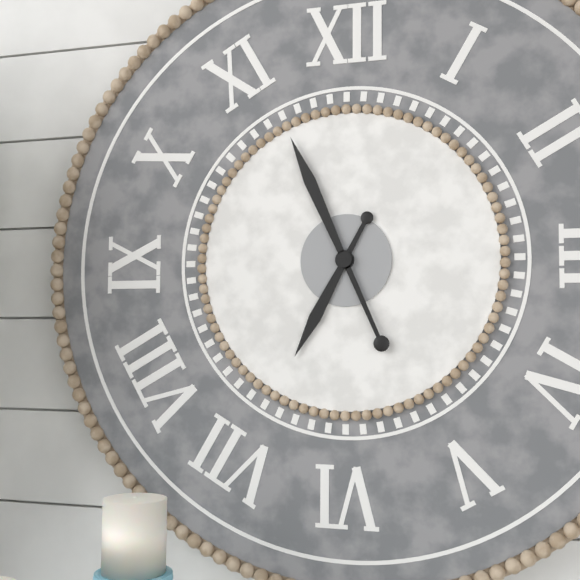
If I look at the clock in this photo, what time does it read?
6:56
